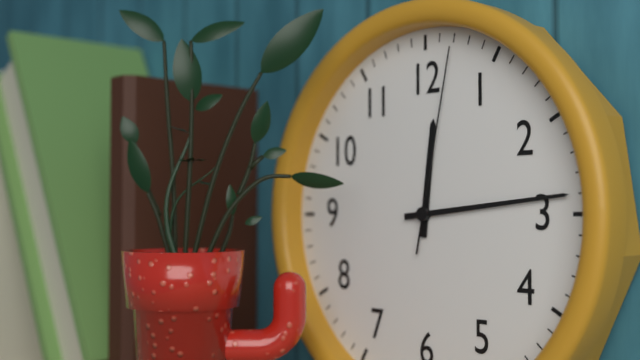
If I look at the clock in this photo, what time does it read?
12:14:02
